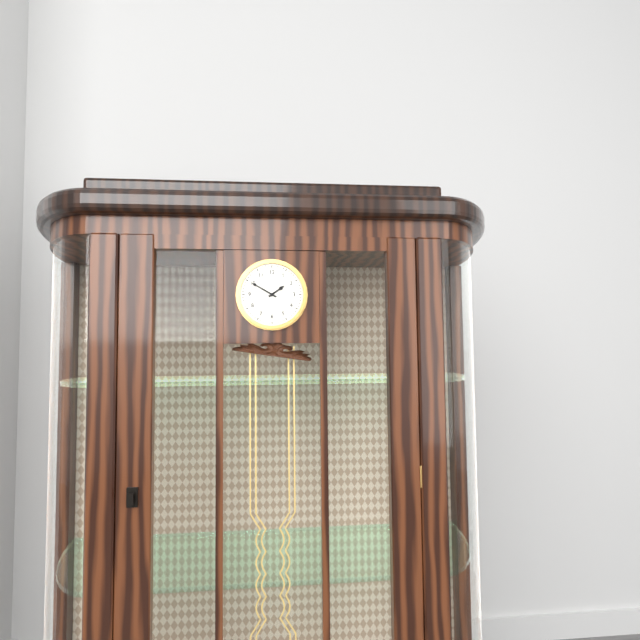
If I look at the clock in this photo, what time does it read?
1:50
